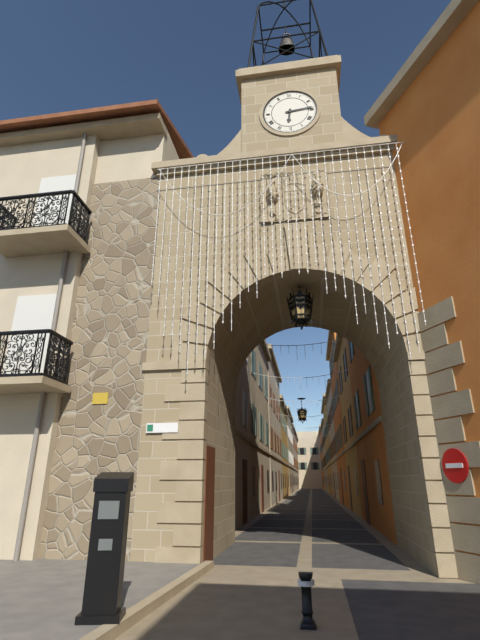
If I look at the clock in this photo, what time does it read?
6:14
